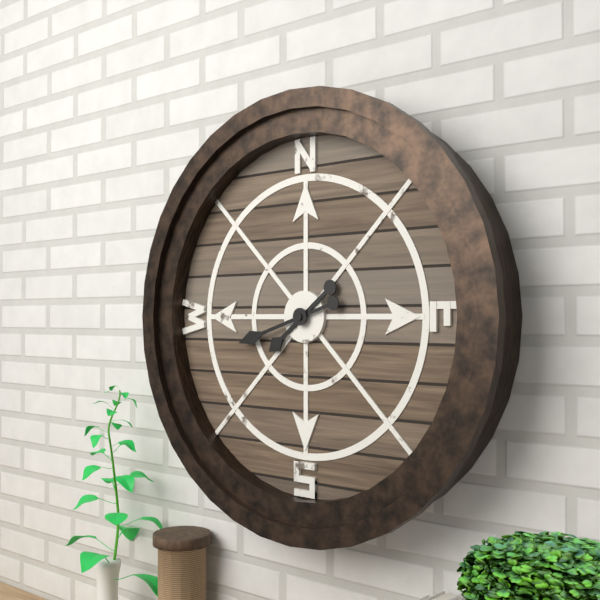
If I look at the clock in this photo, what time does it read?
7:42
